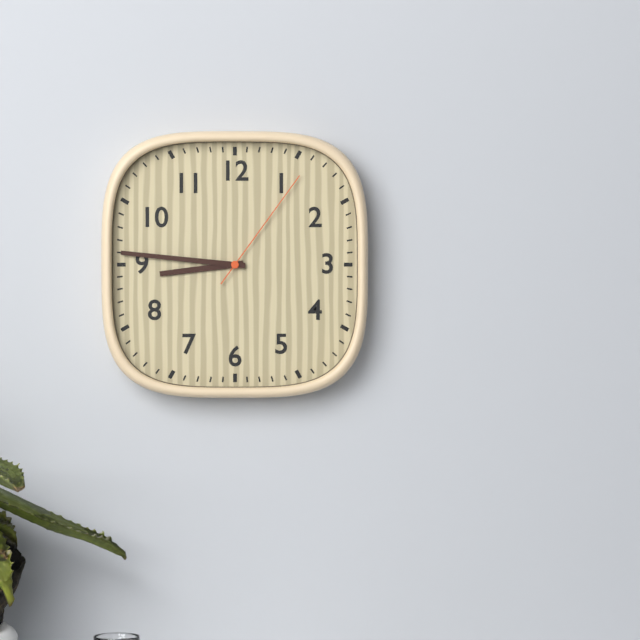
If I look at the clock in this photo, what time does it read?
8:46:06
